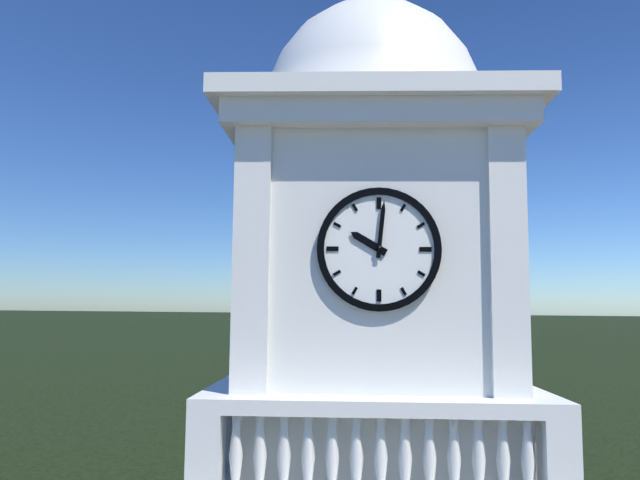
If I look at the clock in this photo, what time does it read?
10:01
